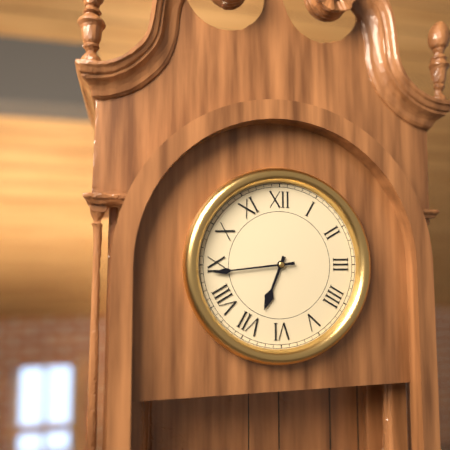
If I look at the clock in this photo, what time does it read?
6:44
